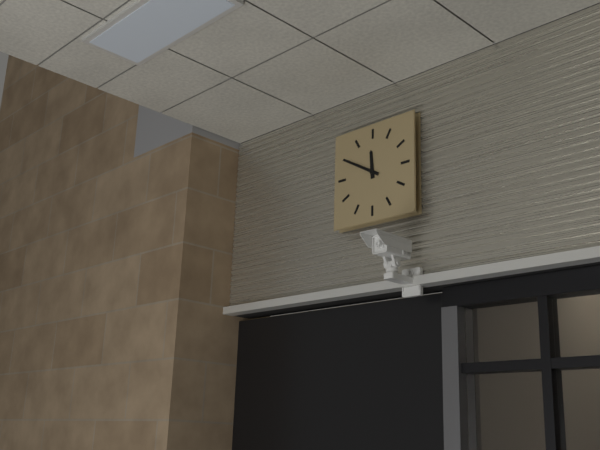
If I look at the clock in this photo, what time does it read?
11:50
